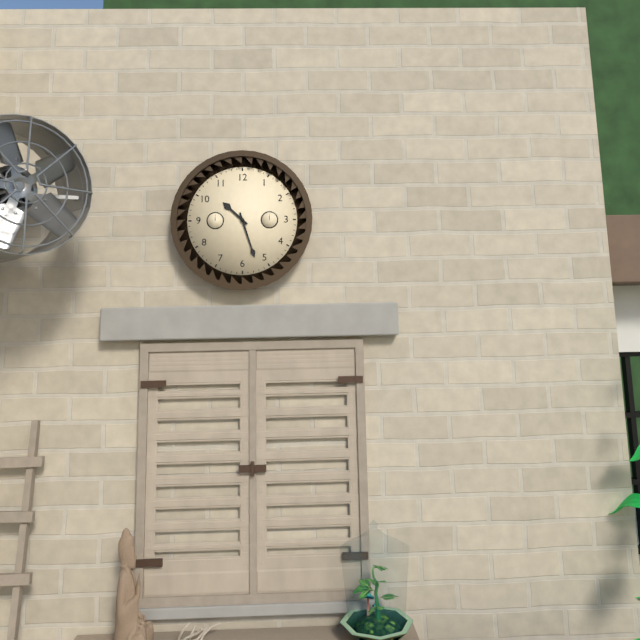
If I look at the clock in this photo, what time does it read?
10:27
